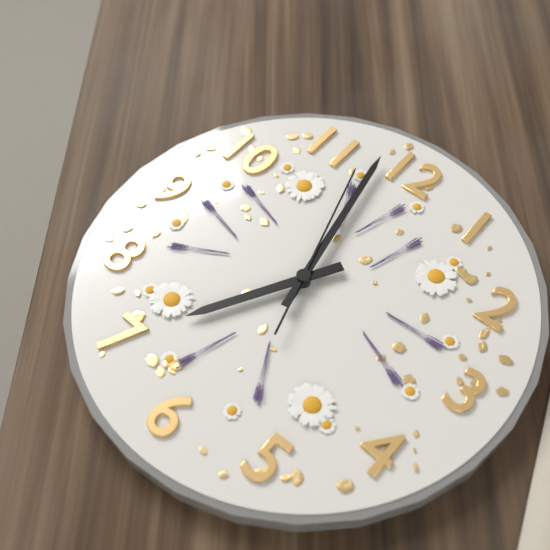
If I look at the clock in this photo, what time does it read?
6:58:57
